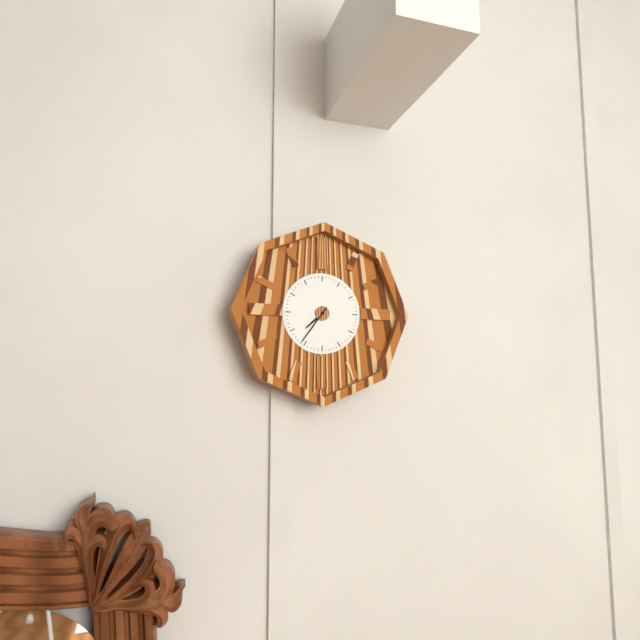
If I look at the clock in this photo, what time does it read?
7:36
